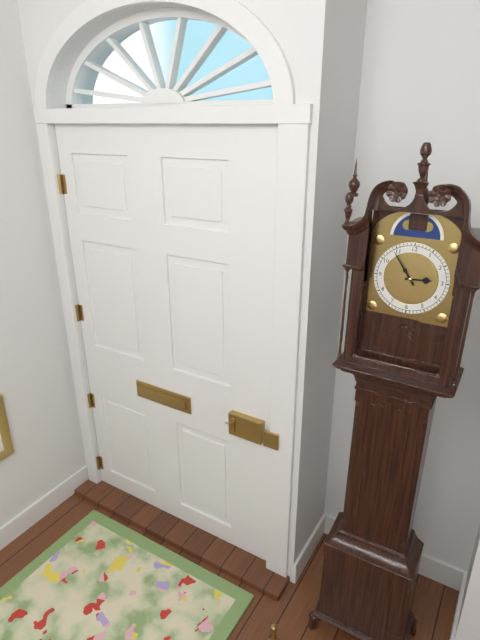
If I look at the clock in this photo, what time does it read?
2:54
